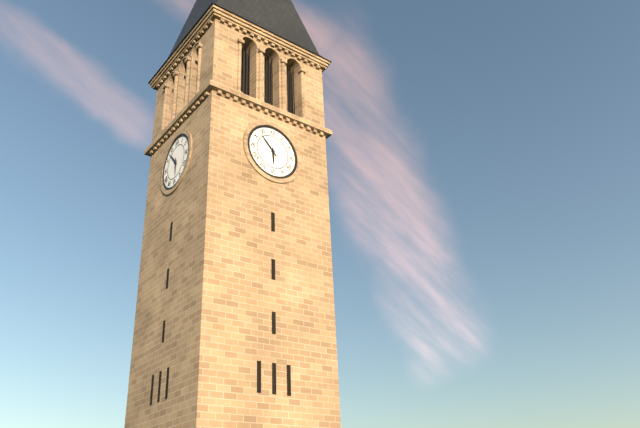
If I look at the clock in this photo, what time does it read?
5:53
